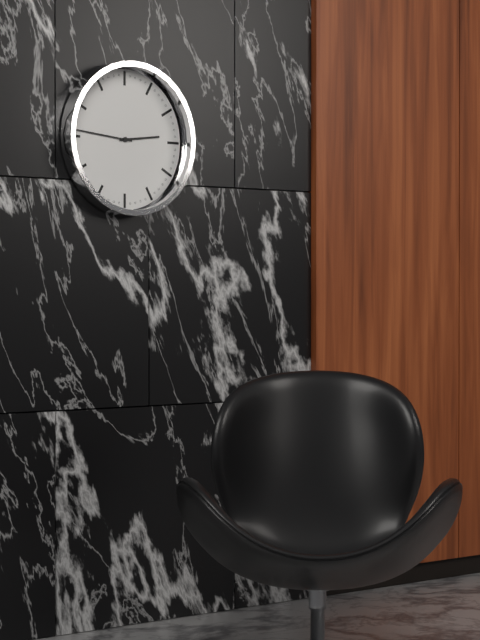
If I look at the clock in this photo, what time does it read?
2:46
